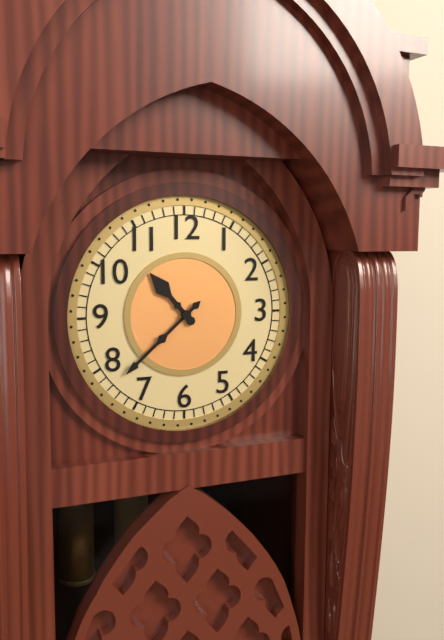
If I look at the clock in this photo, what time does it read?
10:38
